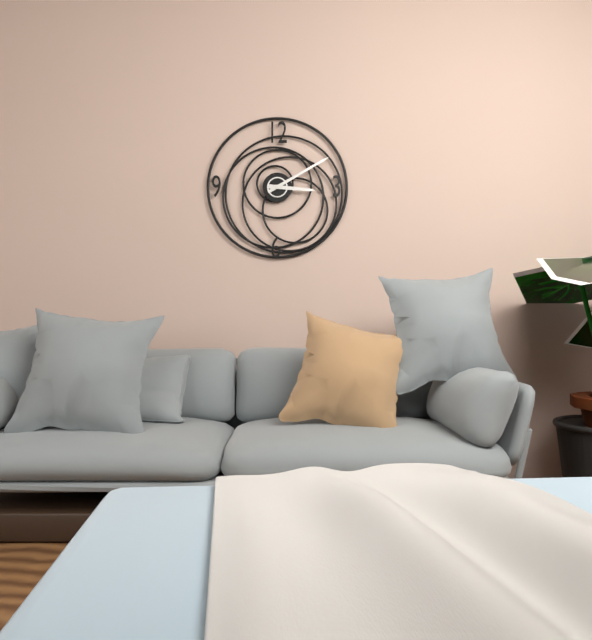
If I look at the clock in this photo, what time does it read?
3:10
